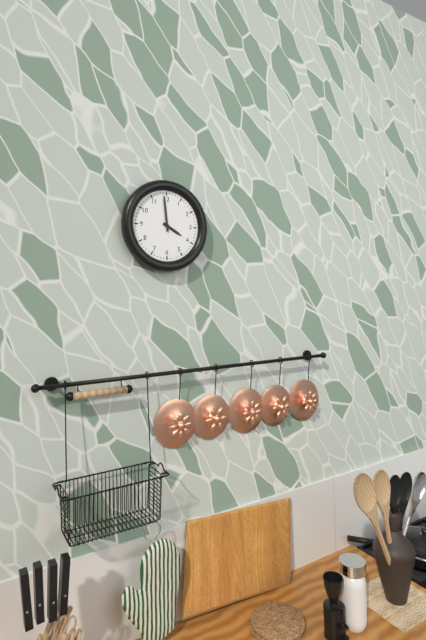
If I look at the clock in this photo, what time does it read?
3:59
